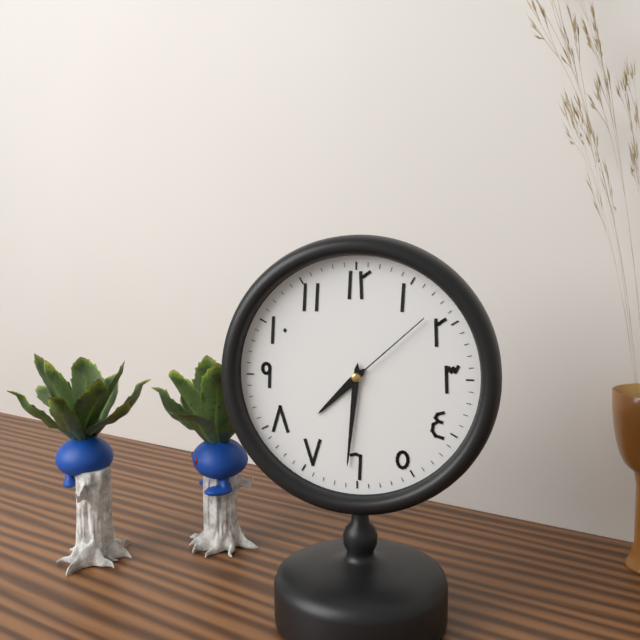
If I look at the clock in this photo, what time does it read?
7:31:08
